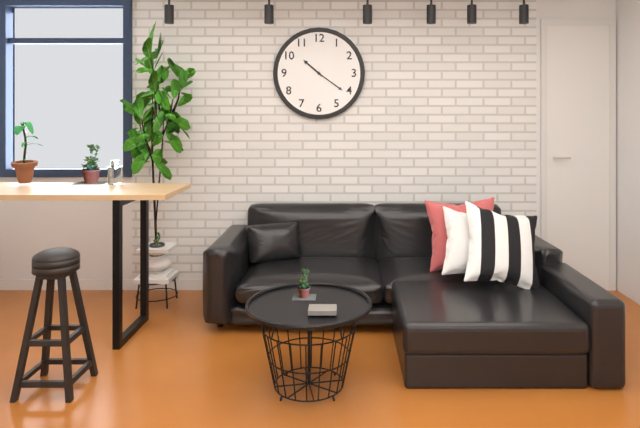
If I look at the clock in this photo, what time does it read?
10:21
